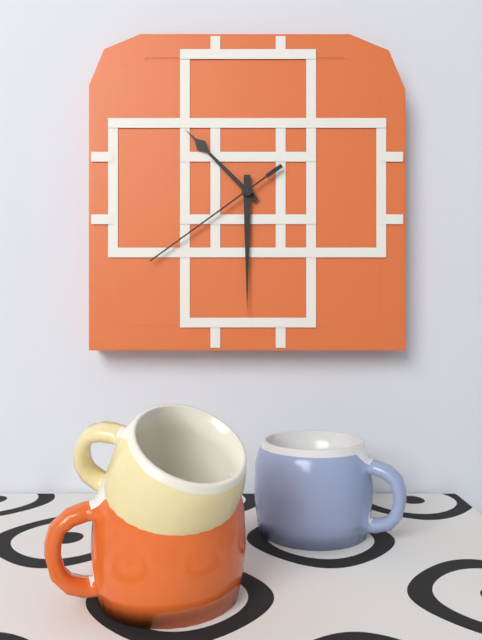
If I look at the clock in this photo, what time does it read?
10:30:39
